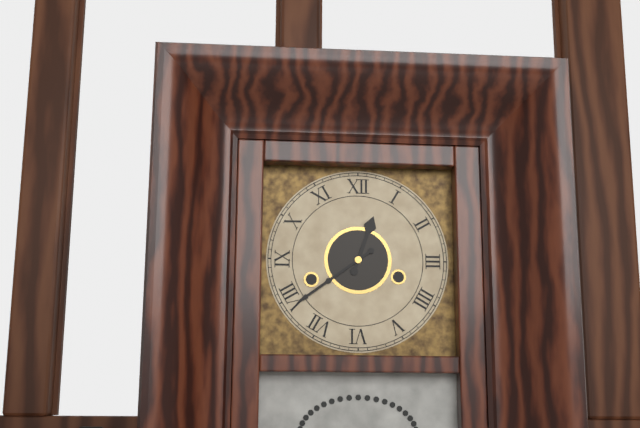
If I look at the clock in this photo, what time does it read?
12:39
